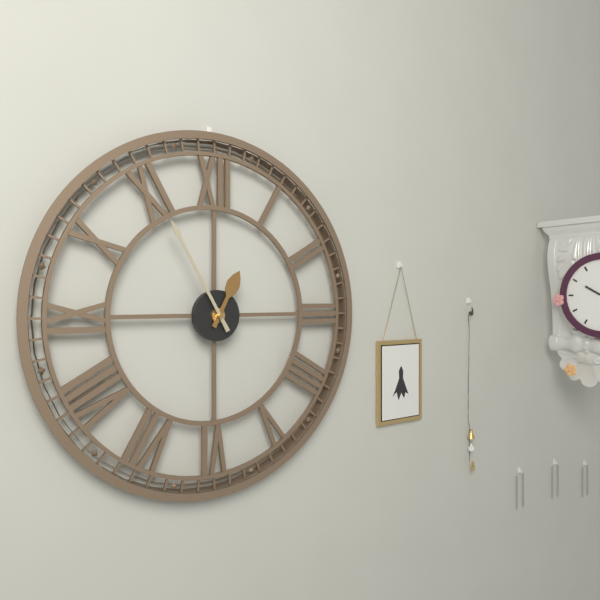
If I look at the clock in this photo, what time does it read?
12:55
